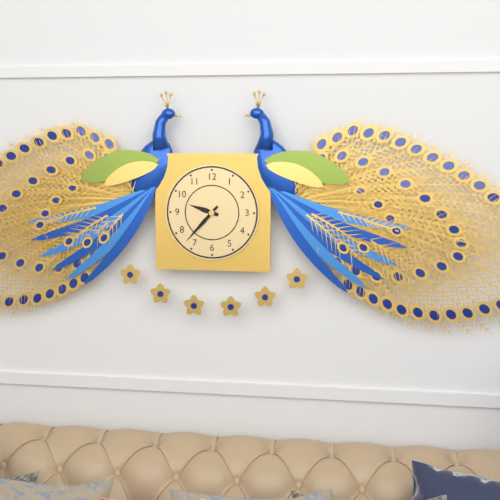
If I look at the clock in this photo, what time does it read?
9:37
